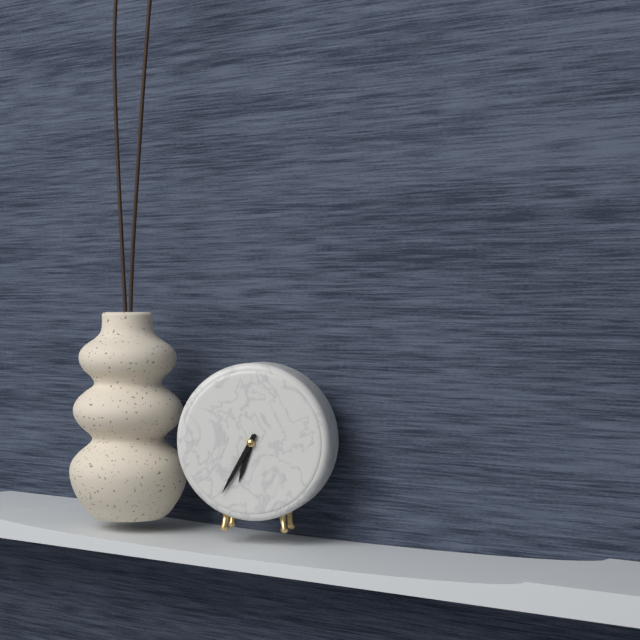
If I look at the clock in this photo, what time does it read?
6:35
